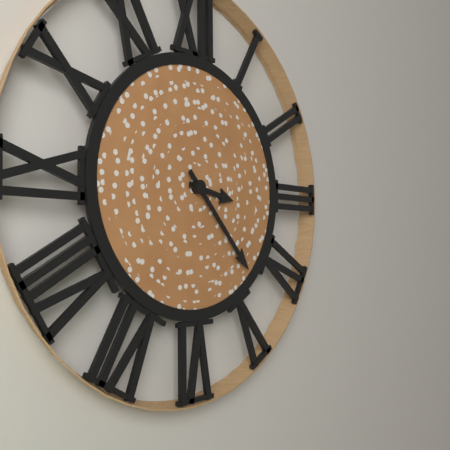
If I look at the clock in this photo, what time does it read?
3:23
